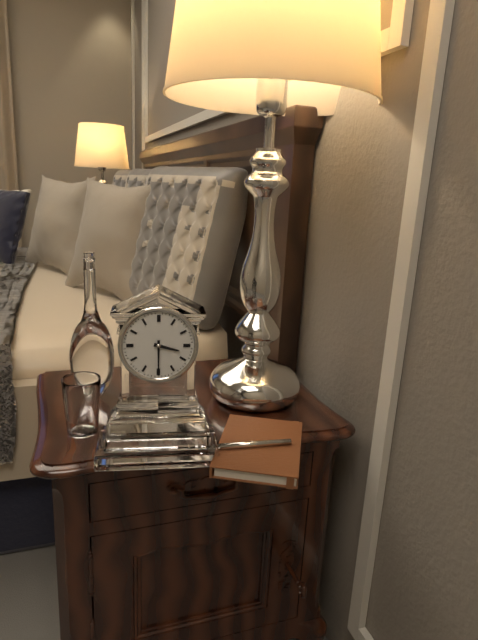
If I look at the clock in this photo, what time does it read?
3:30
